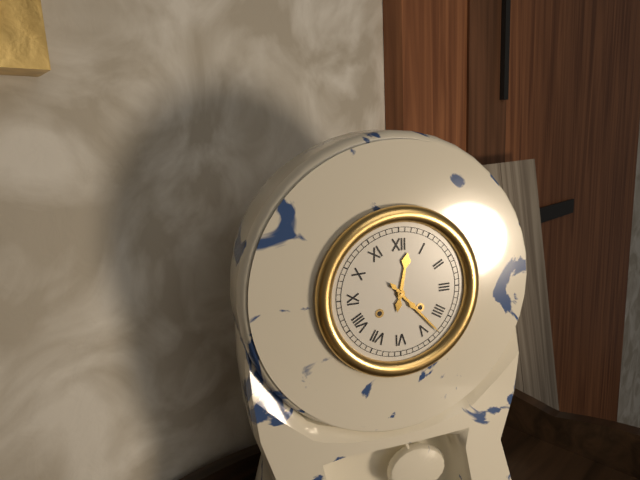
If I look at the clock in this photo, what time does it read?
12:23
